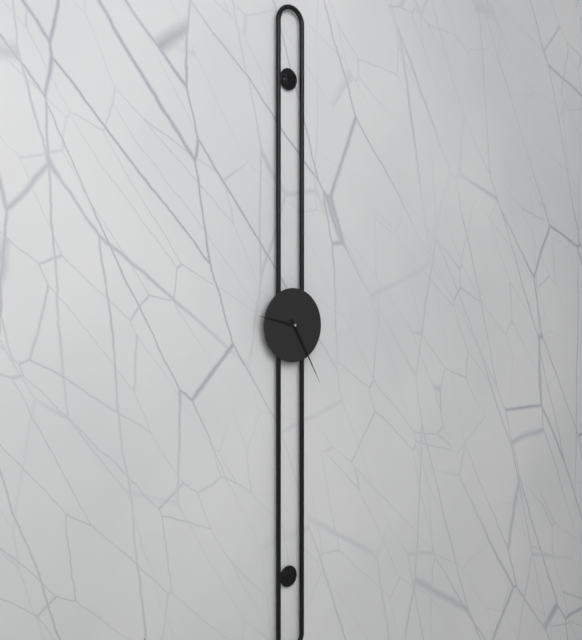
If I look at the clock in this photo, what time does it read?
9:25
